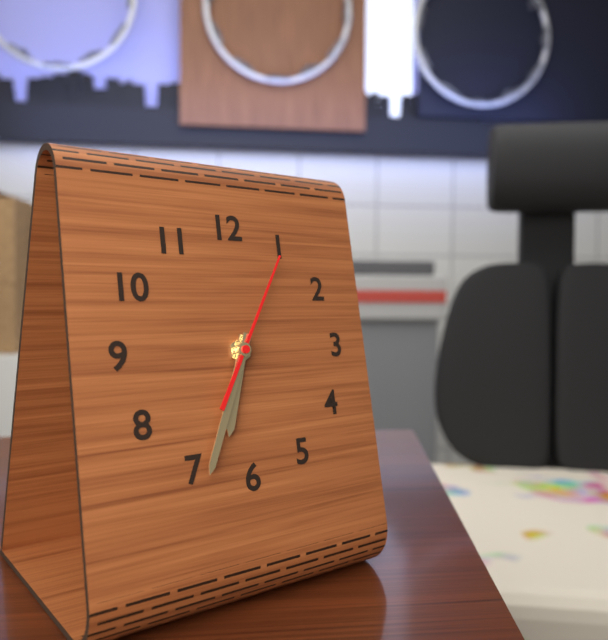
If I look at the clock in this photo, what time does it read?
6:34:05
